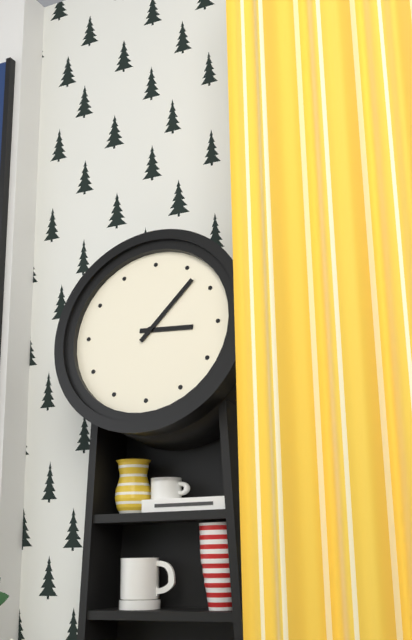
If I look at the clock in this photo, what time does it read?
3:07
